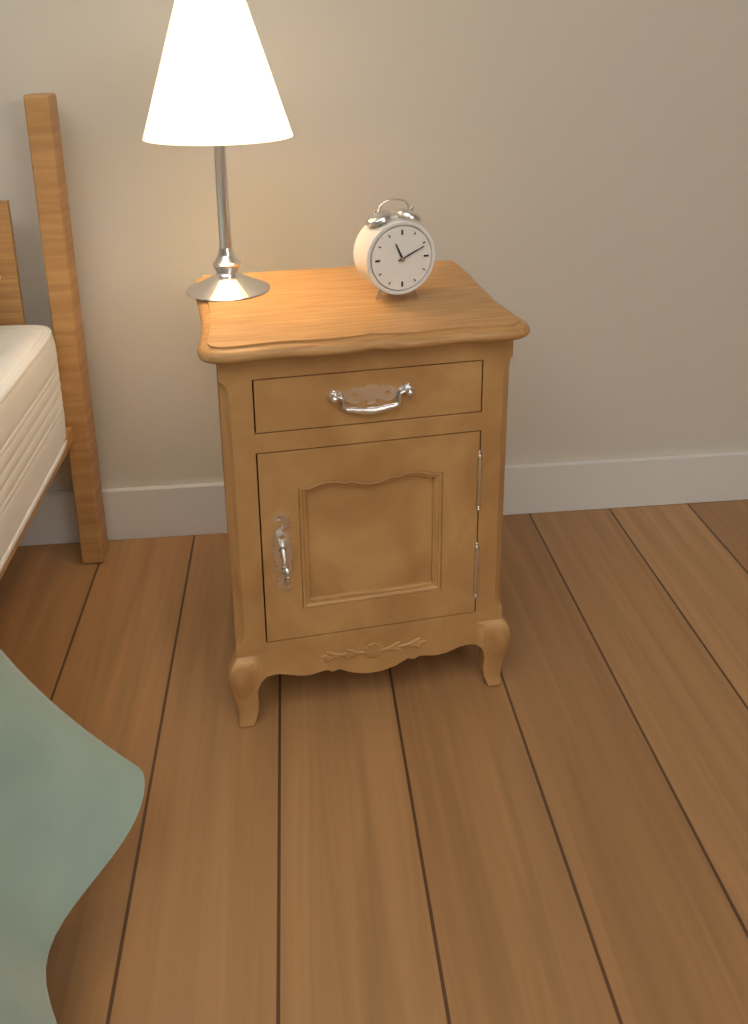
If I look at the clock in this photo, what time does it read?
11:11
